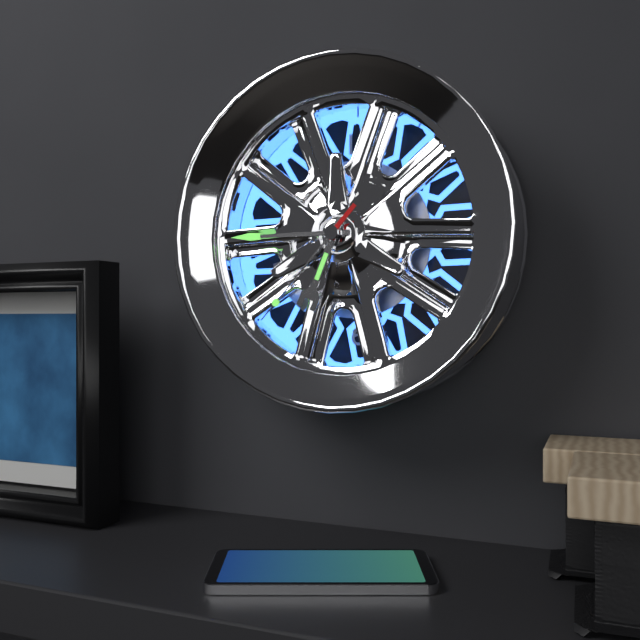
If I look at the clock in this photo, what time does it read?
6:45:37
